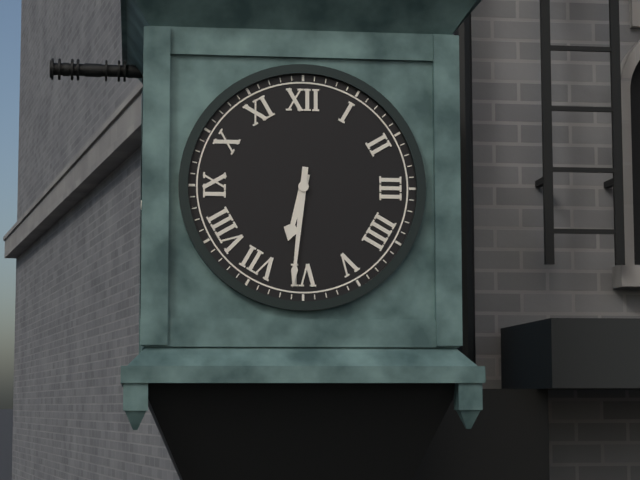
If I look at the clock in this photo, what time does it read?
6:31
